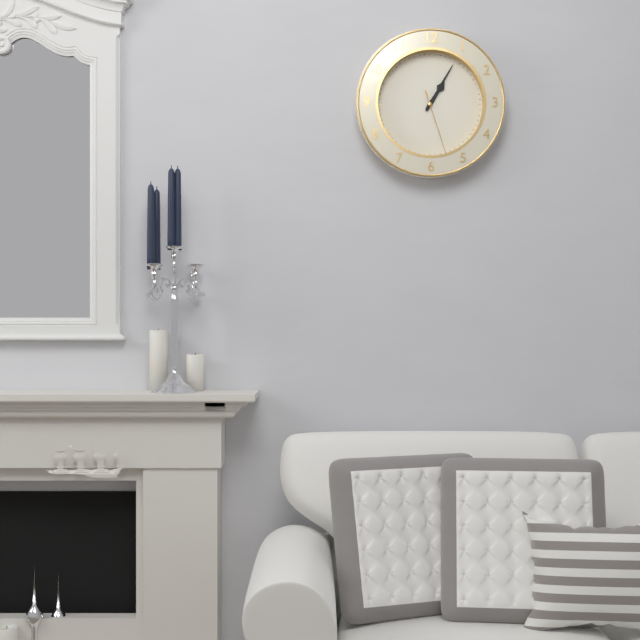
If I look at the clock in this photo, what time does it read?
1:05:27
